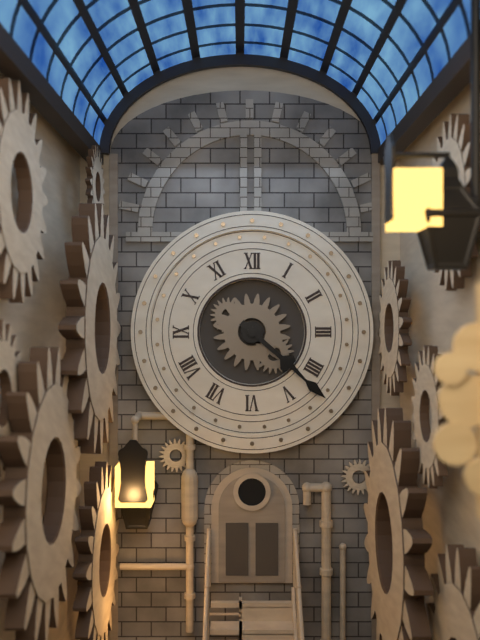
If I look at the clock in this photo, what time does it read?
4:22
